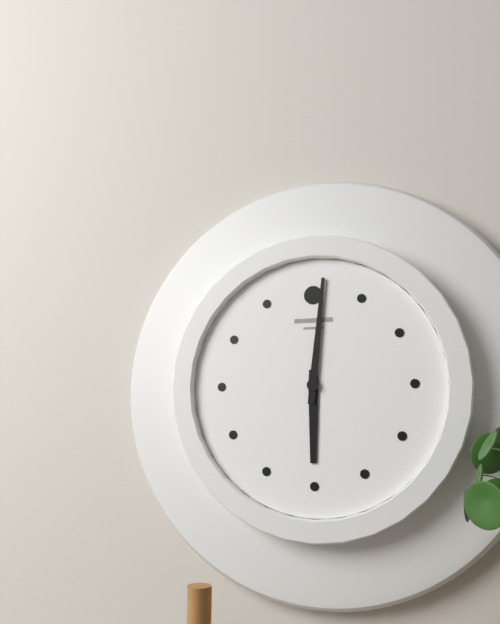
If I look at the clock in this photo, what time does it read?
6:01
